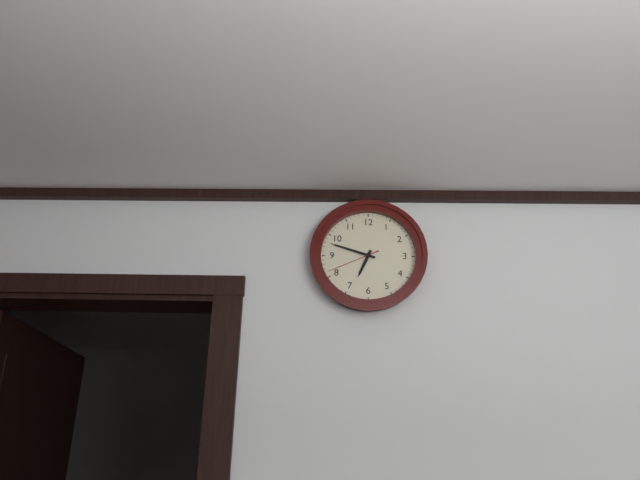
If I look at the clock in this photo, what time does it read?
6:48:41
